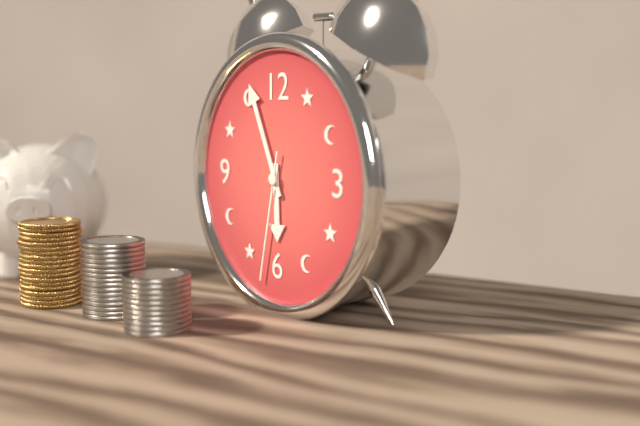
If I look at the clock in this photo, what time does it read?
5:56:32
